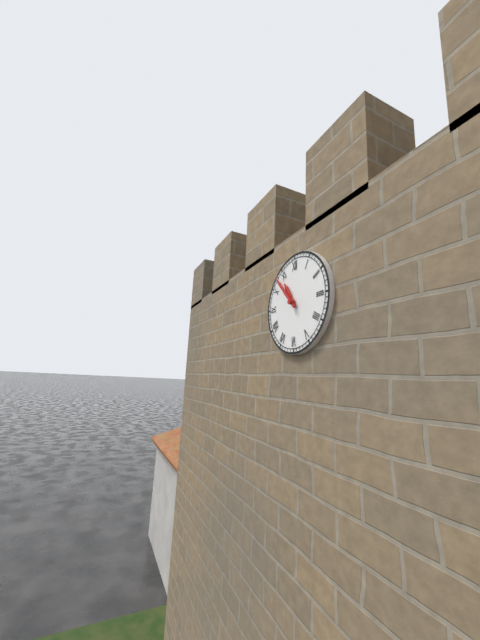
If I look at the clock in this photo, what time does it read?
10:53
